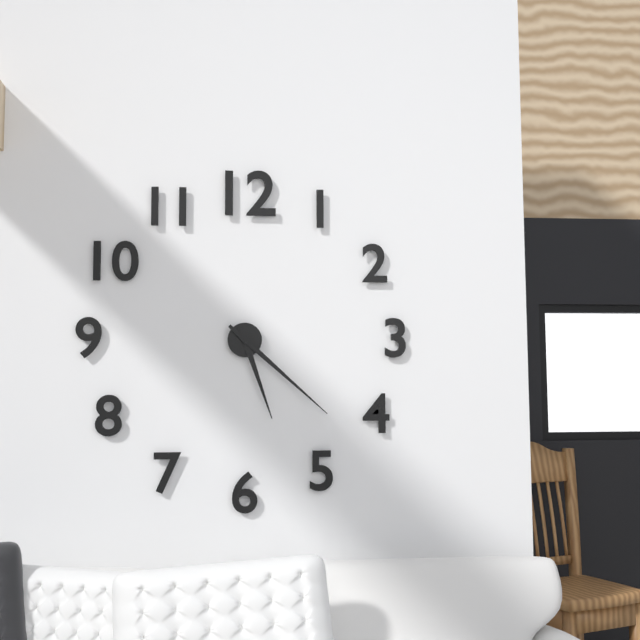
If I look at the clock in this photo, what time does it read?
5:22
